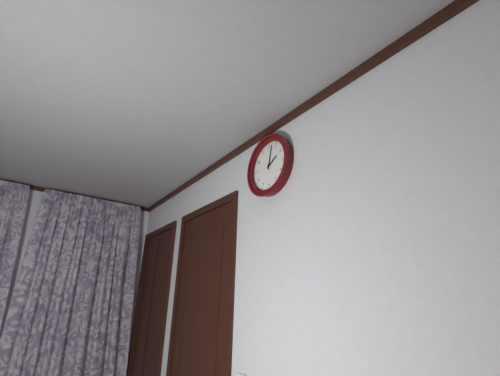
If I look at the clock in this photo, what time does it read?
2:02
